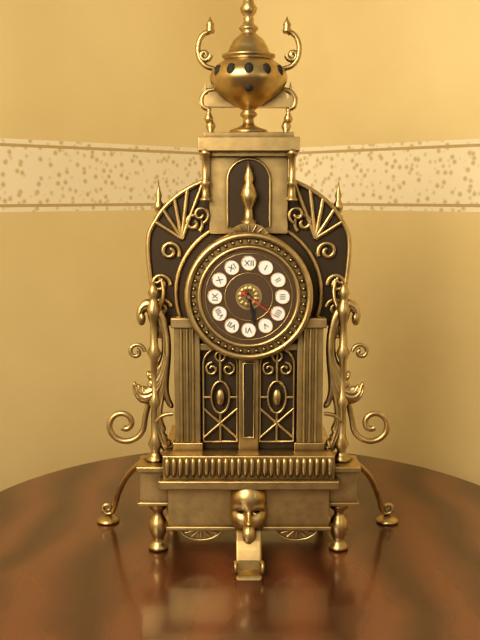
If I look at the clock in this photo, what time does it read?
5:28
